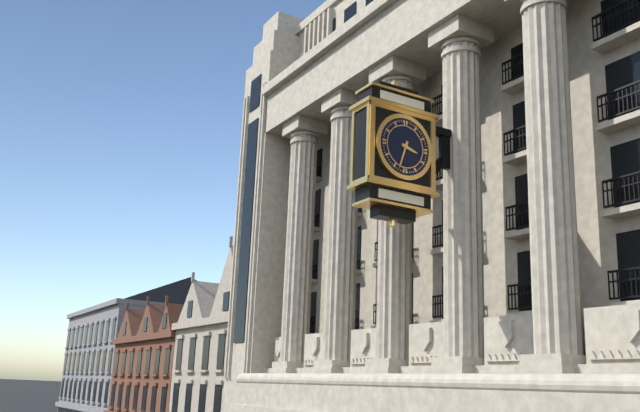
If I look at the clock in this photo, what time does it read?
3:33
